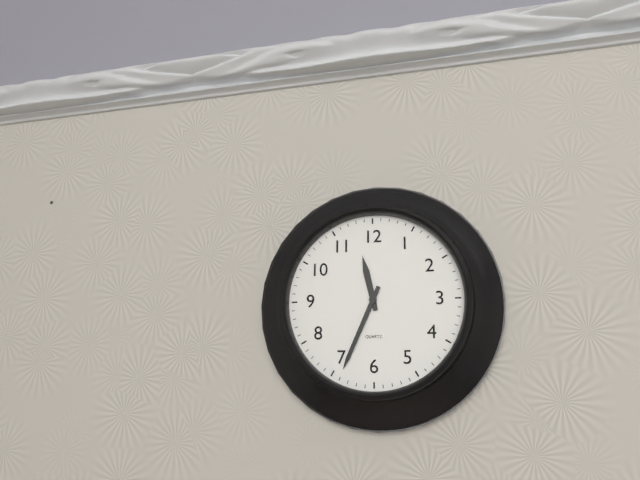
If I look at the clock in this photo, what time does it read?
11:34
